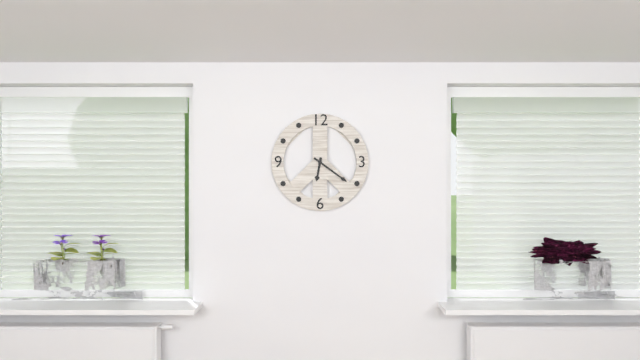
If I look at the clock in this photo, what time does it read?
6:21
